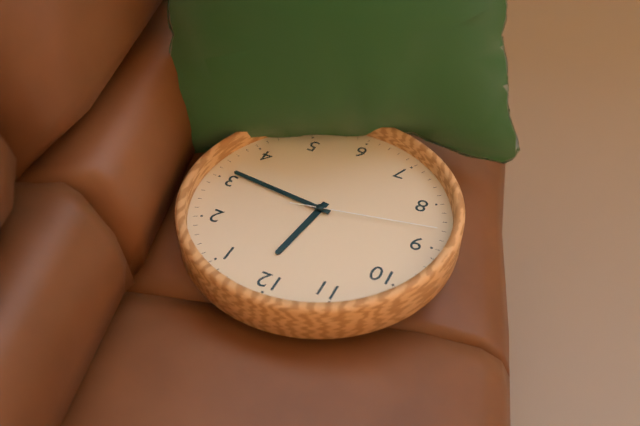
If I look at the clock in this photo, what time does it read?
12:16:43
